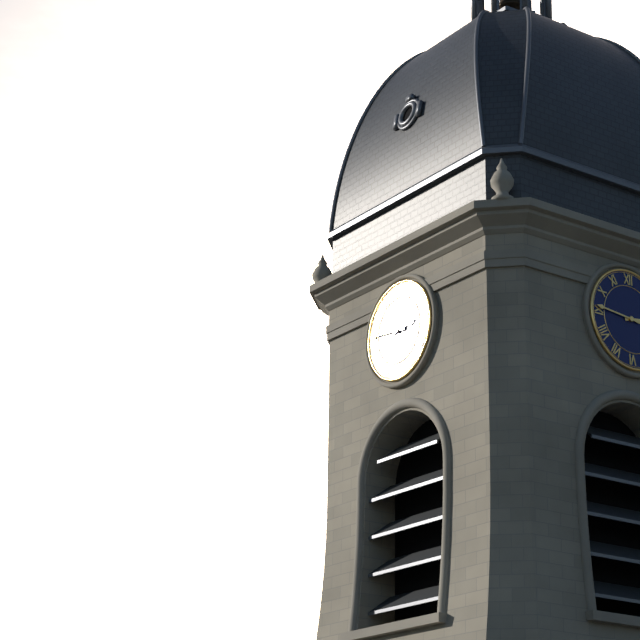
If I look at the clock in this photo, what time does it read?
2:46
